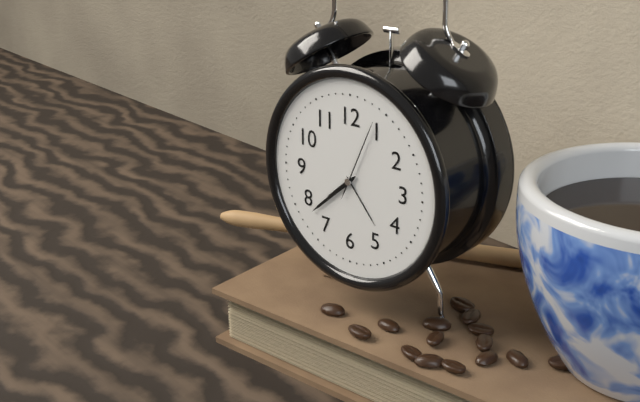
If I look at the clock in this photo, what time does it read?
7:38:04
